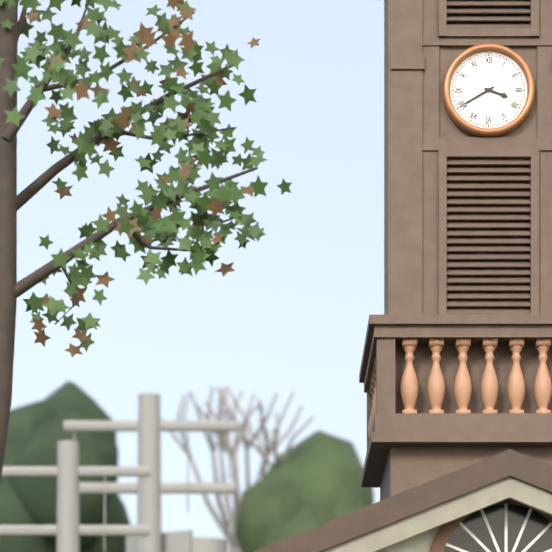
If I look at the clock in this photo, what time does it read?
3:40
